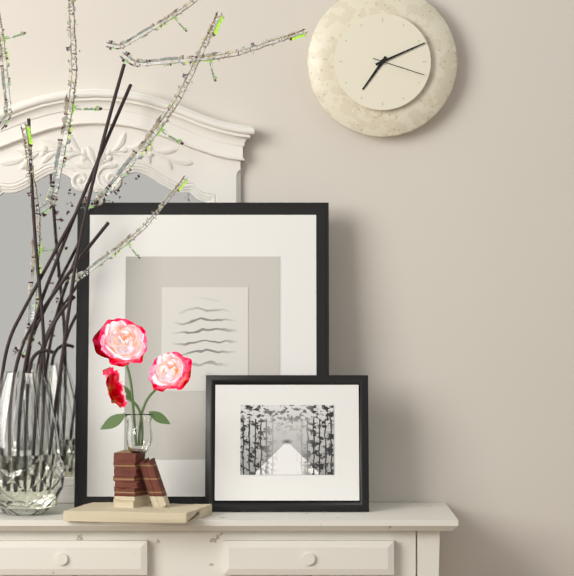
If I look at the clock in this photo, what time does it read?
7:11:18
